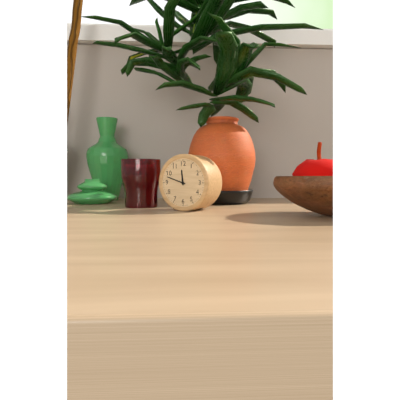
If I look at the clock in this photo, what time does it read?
11:48
